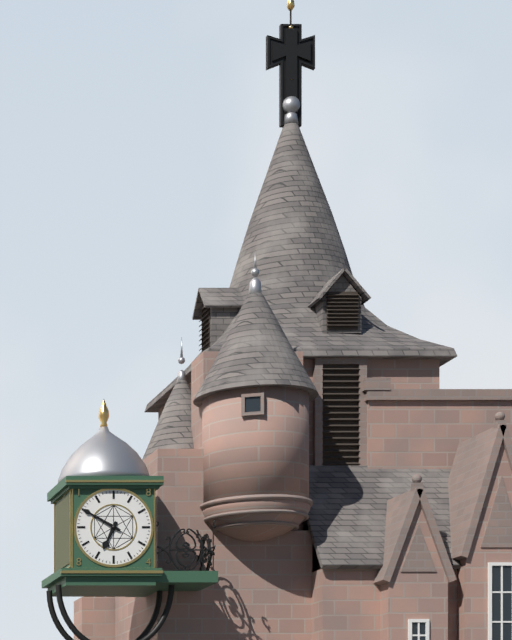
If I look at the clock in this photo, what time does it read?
6:50
